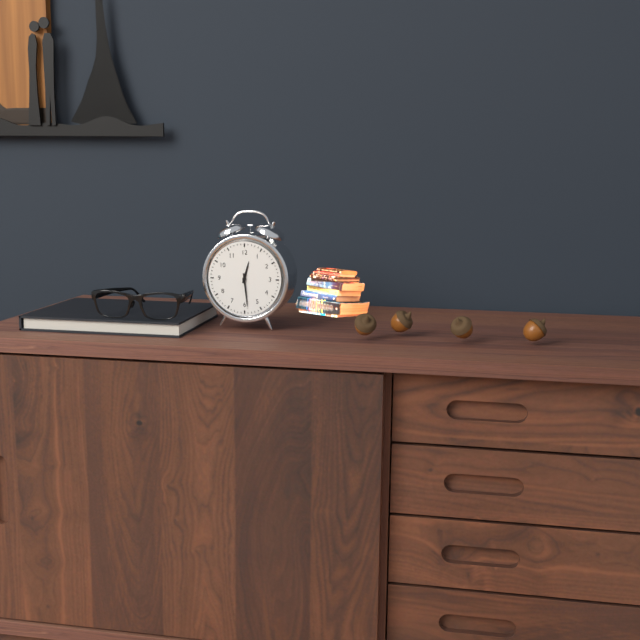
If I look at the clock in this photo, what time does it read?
12:29
